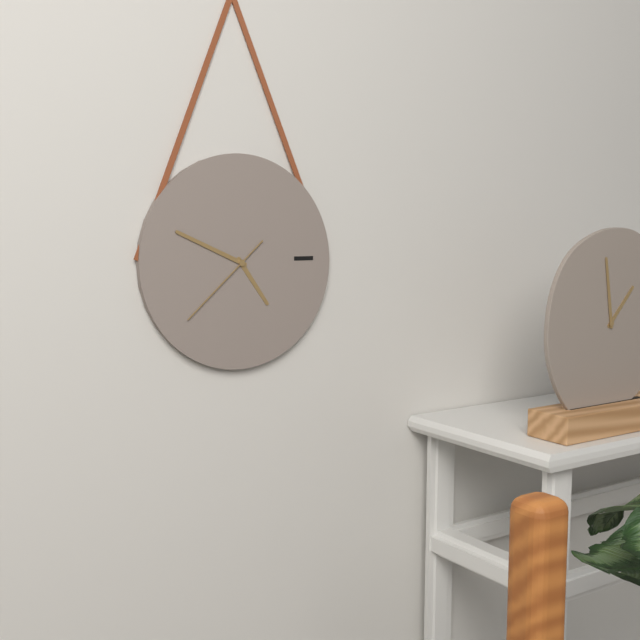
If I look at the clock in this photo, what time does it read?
4:49:38
